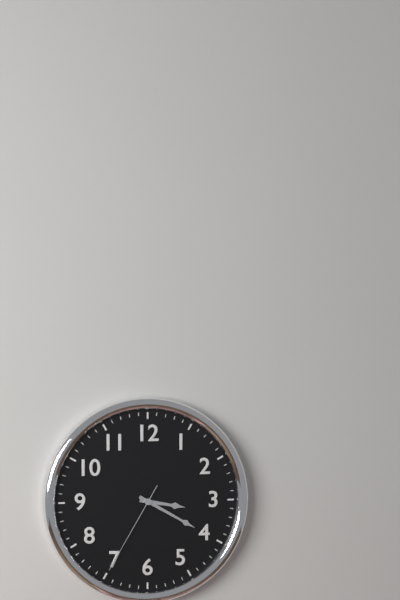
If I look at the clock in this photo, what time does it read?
3:20:35
